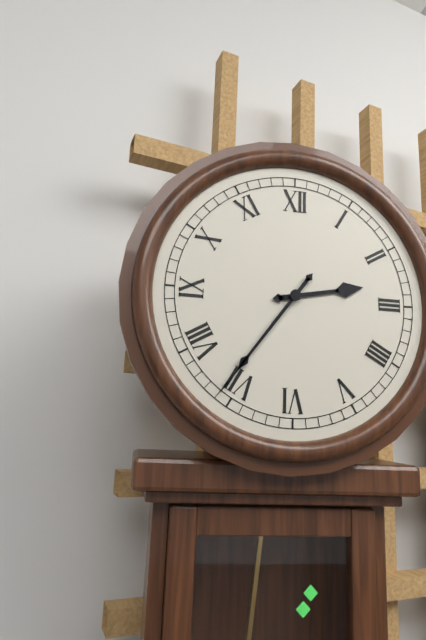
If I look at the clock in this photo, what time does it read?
2:36
